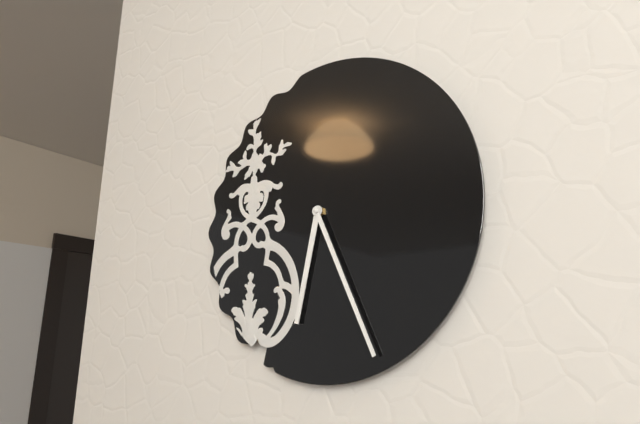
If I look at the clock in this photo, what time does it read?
6:26
